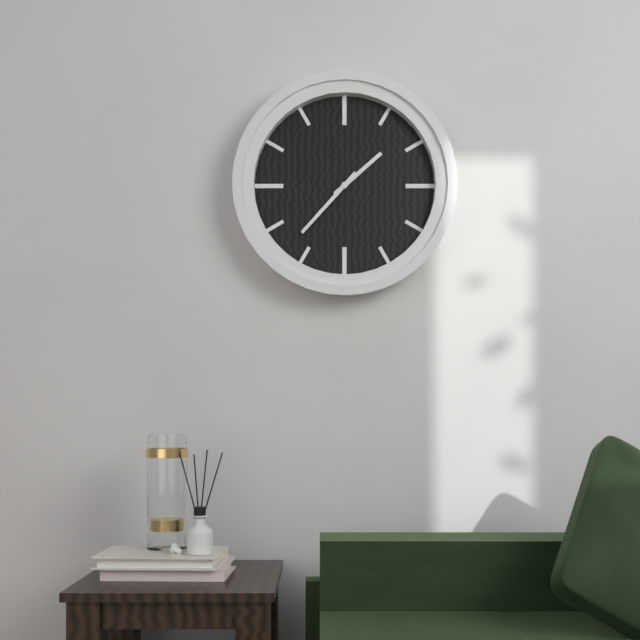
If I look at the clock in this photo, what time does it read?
1:37
